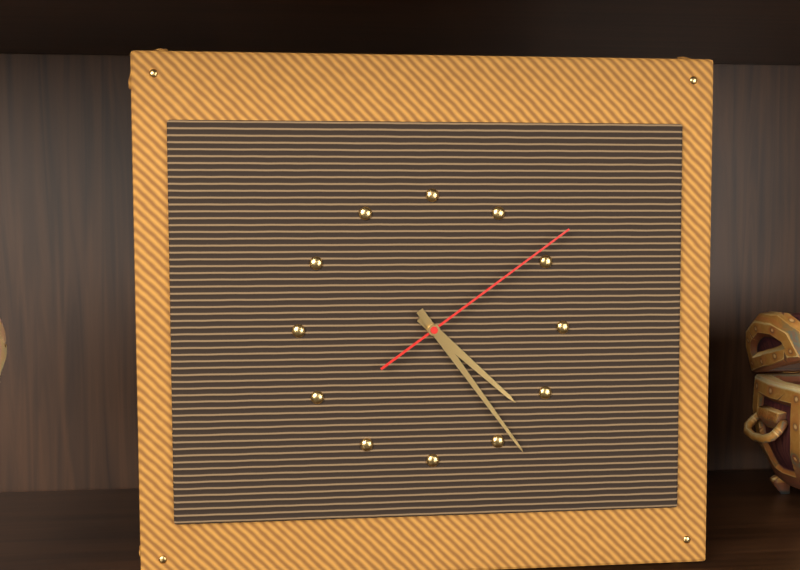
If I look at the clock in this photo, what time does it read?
4:24:09
